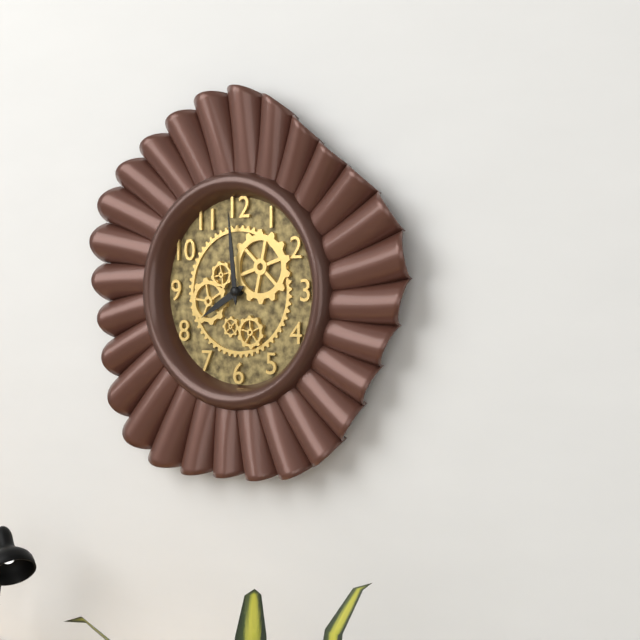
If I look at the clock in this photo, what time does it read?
7:59
